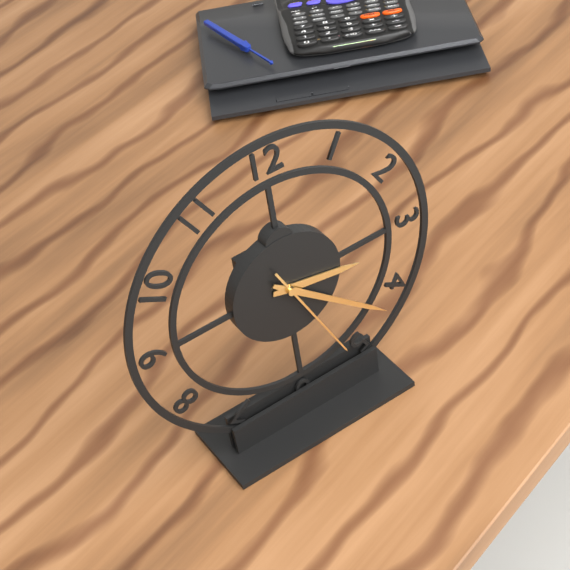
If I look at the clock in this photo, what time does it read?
3:22:26
